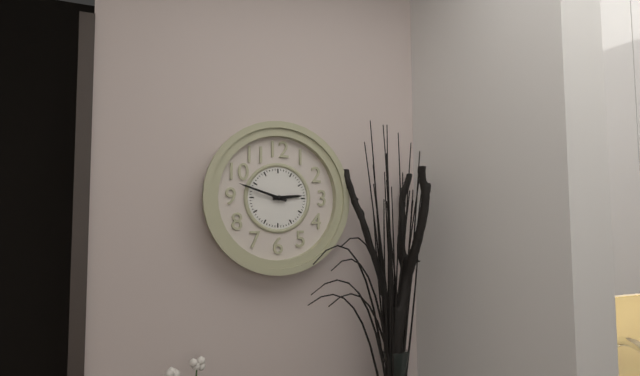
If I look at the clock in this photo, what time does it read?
2:48
